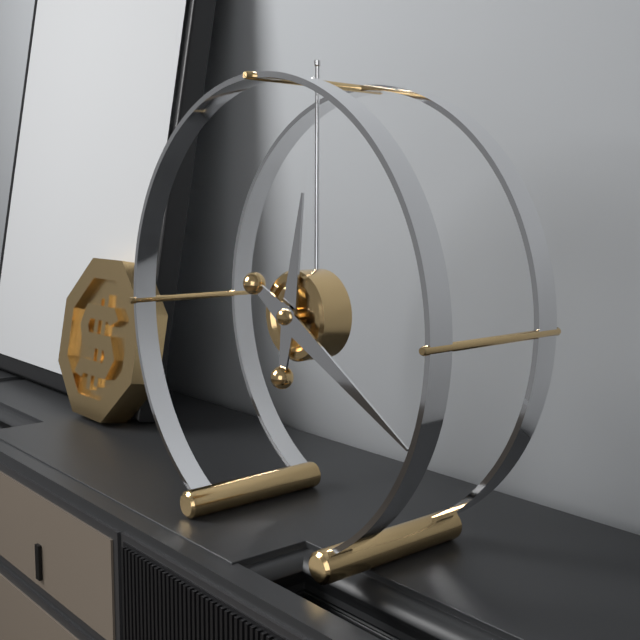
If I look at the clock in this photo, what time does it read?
12:20
